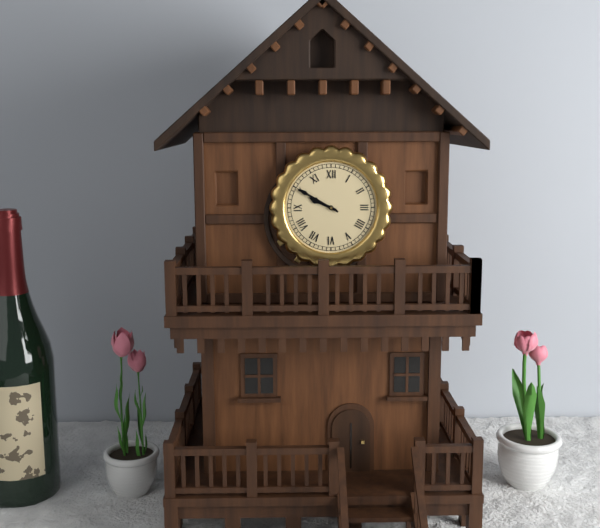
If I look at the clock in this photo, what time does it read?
9:50
